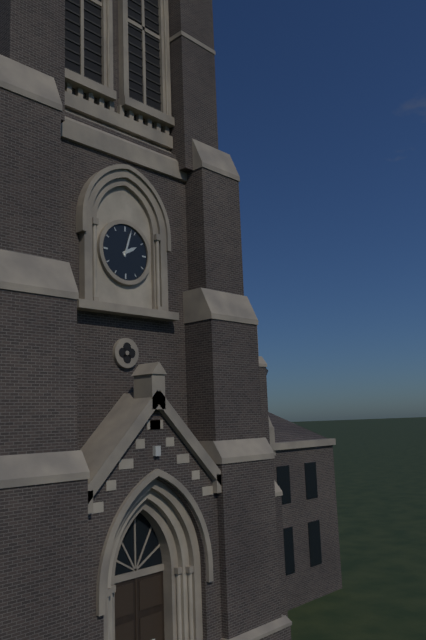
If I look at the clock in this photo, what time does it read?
2:03
